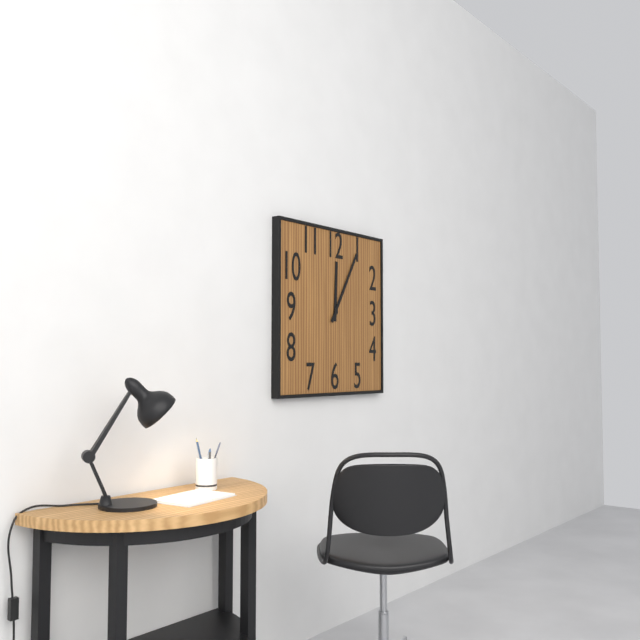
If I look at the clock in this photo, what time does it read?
12:05
